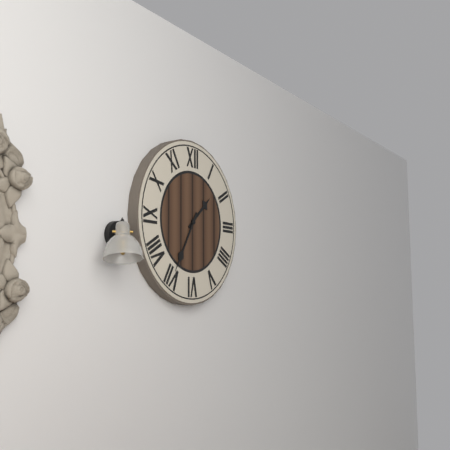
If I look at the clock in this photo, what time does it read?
1:35
